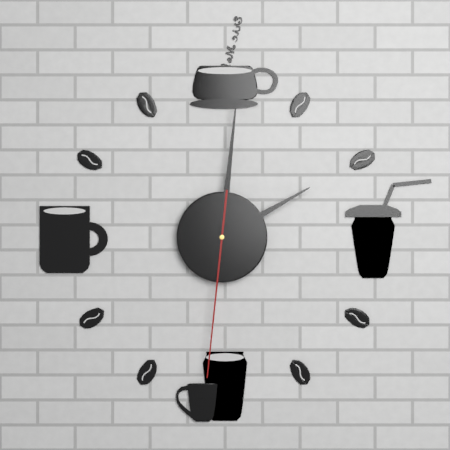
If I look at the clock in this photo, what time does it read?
2:01:31
